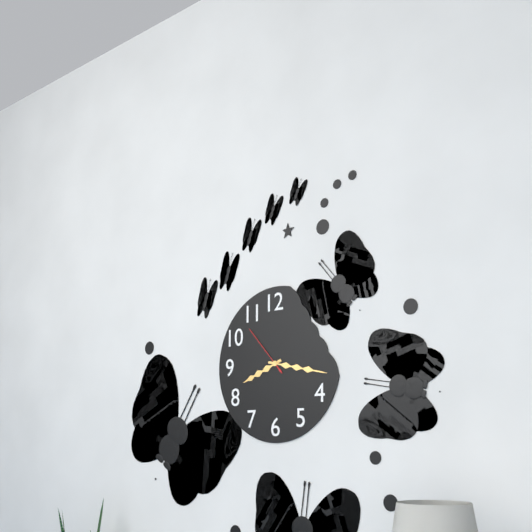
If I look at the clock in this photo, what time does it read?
8:17:53
